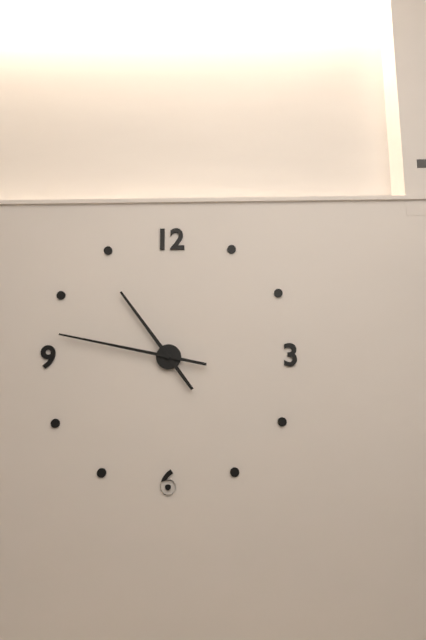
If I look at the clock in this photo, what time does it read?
10:47
